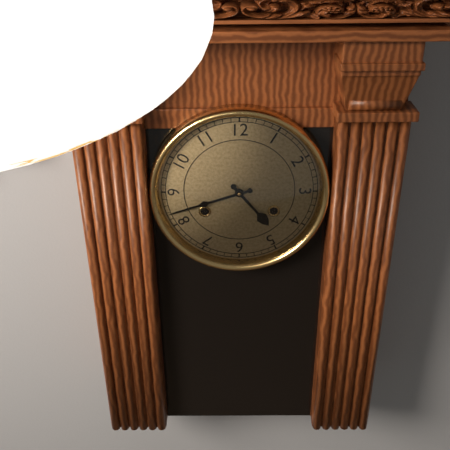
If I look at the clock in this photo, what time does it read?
4:42
